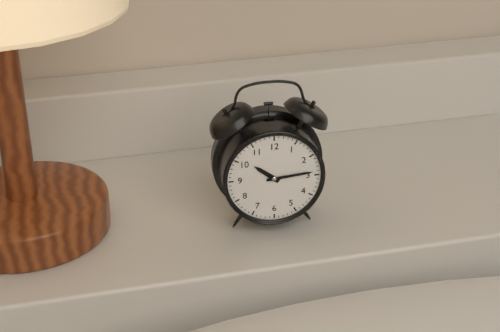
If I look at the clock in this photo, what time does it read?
10:14
